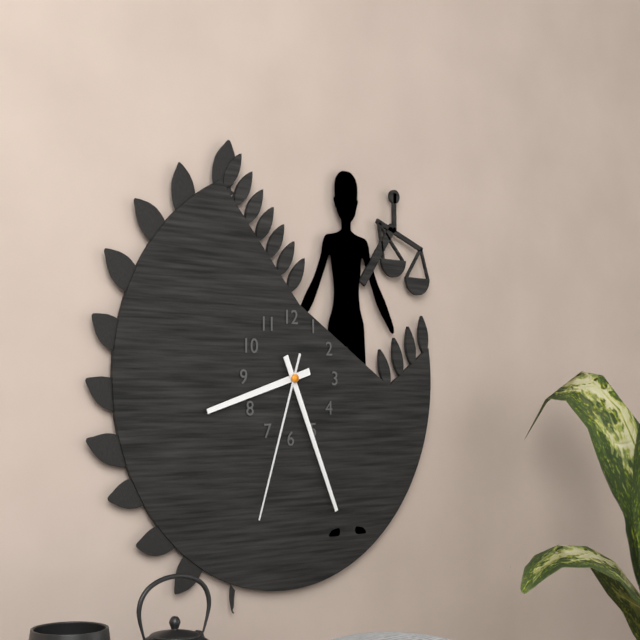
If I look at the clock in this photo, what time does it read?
8:26:33
